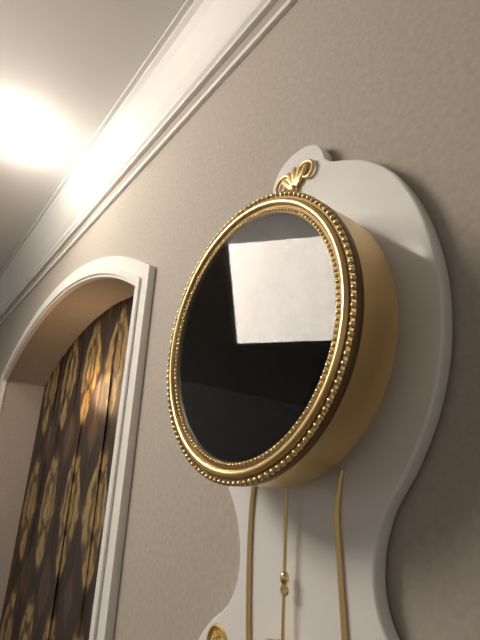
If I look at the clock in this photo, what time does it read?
9:33
